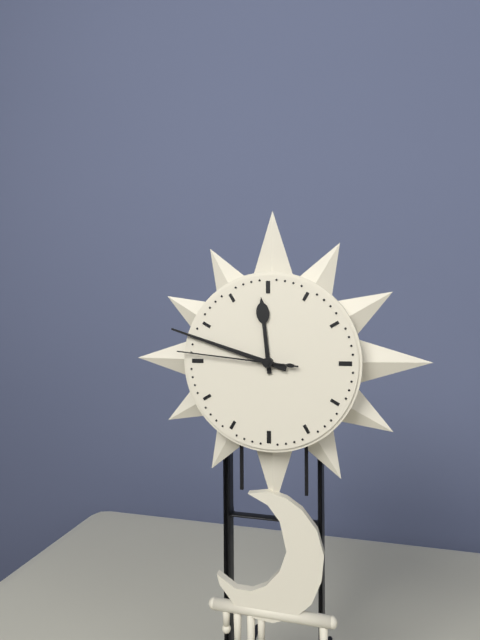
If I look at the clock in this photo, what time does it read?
11:48:46
